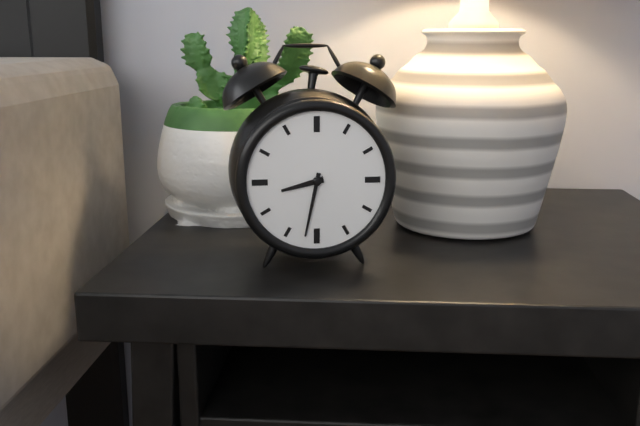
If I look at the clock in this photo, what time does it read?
8:32
